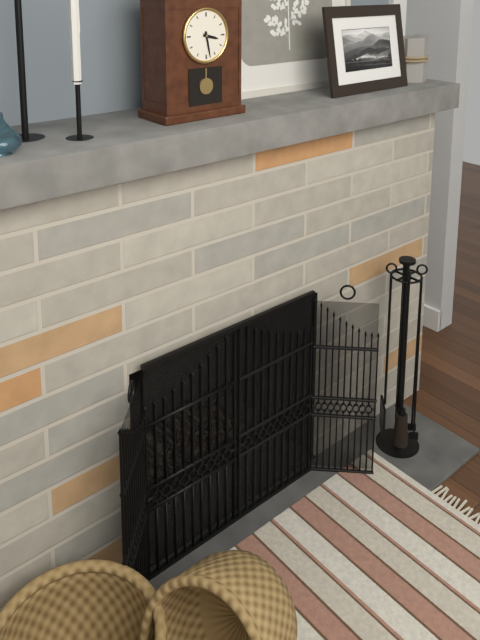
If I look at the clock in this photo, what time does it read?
3:28
